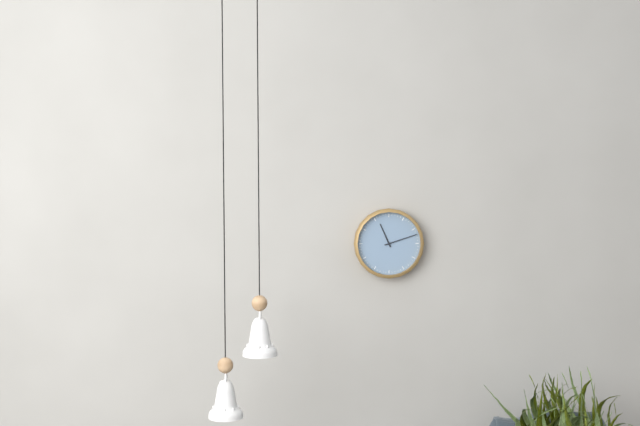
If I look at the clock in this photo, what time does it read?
11:12
